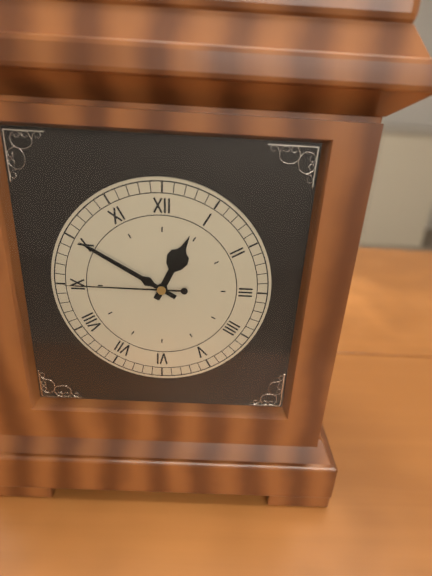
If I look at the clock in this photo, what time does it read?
12:50:45
